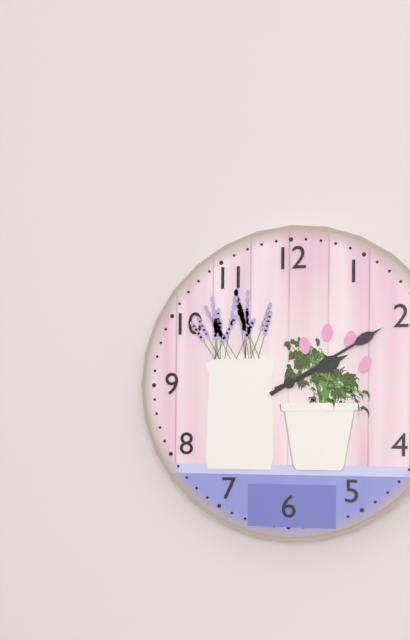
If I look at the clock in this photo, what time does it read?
2:10
